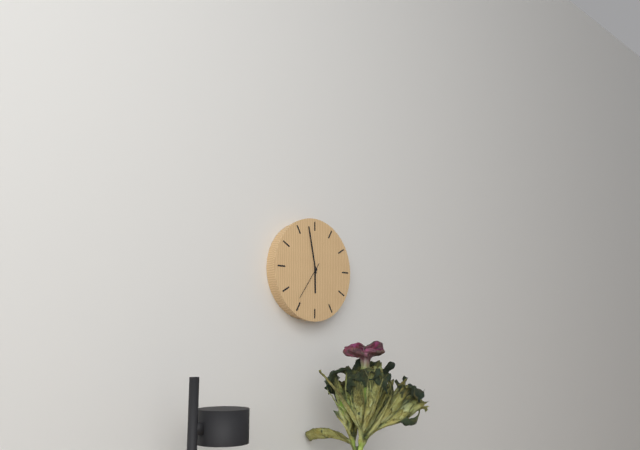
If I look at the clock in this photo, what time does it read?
5:58
